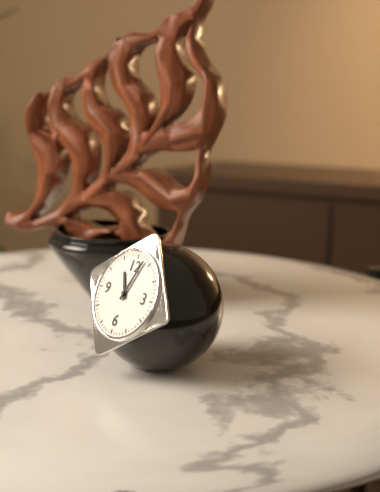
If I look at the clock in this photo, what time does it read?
11:03
